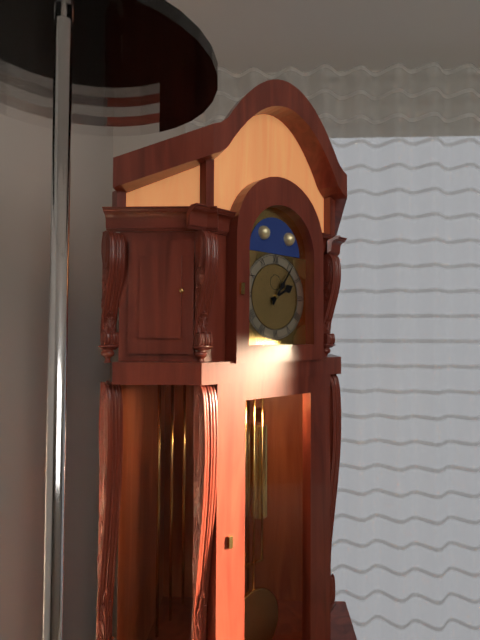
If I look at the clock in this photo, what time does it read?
2:06
